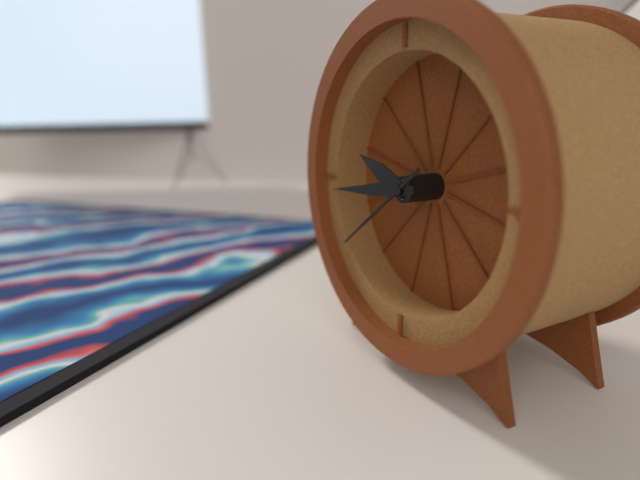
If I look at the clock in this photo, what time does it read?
9:44:39
